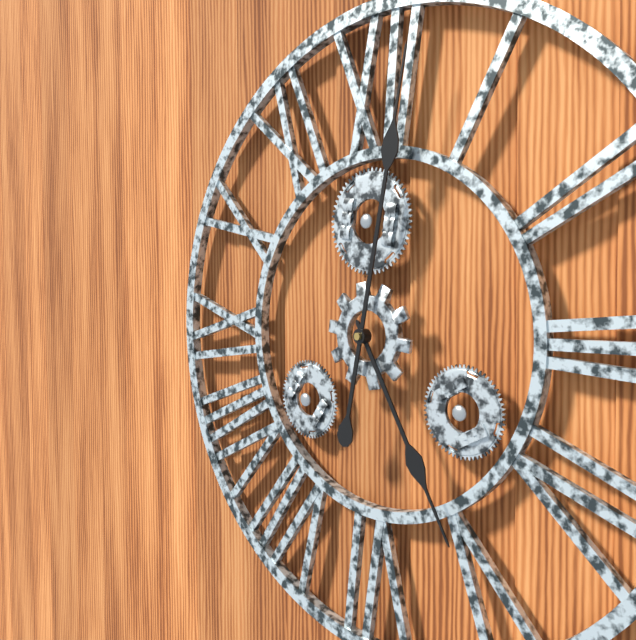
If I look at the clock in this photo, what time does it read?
5:02
